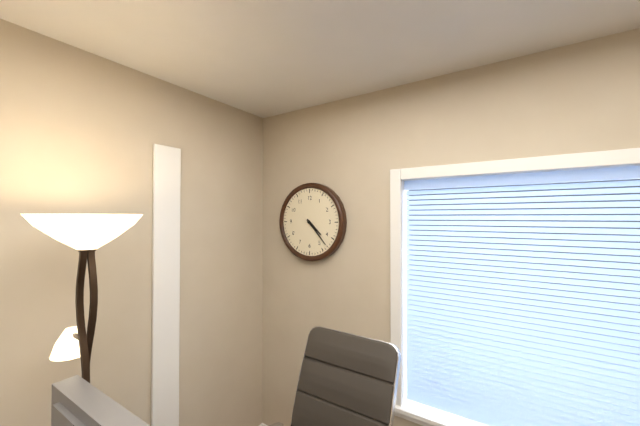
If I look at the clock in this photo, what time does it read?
4:23
